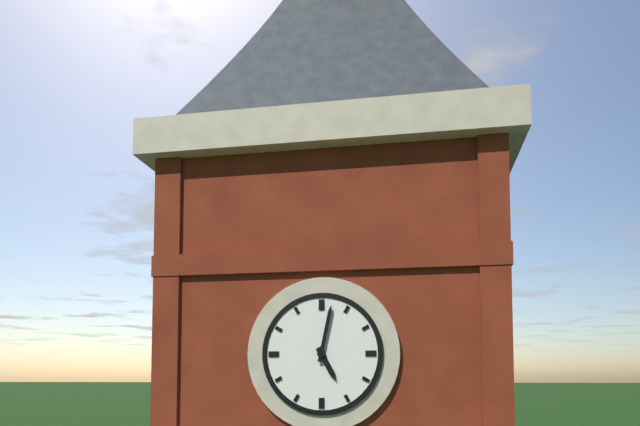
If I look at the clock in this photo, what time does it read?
5:02
